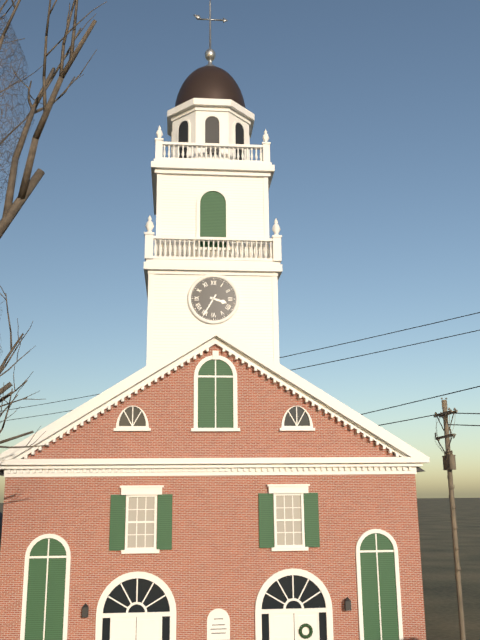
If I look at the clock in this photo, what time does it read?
3:35
